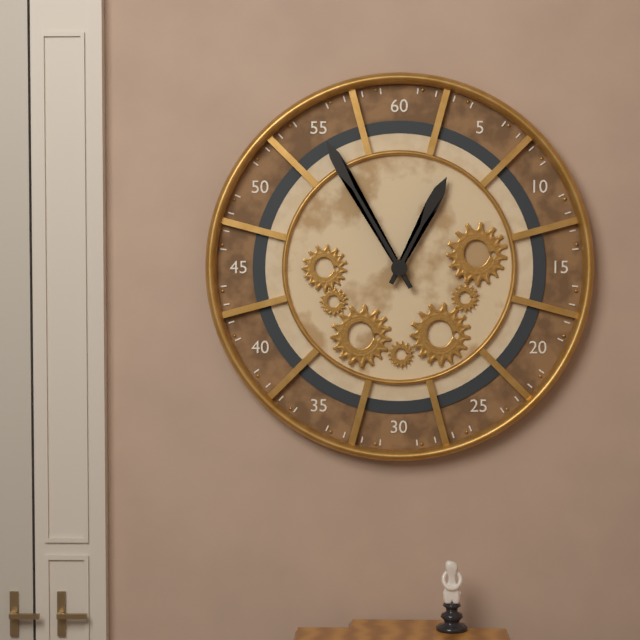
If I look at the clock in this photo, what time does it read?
12:55
